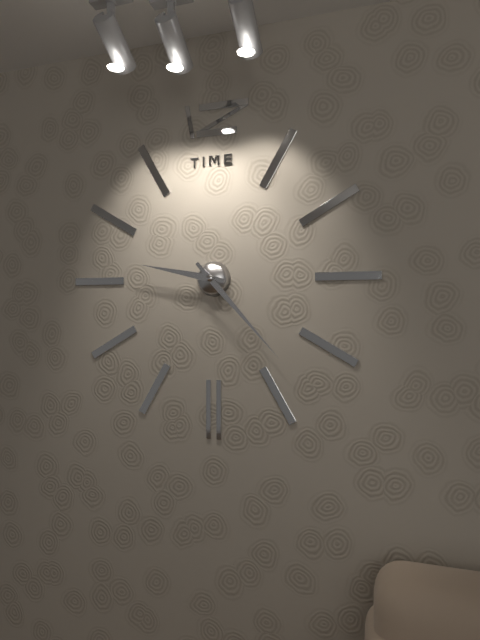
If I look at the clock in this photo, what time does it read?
9:23
